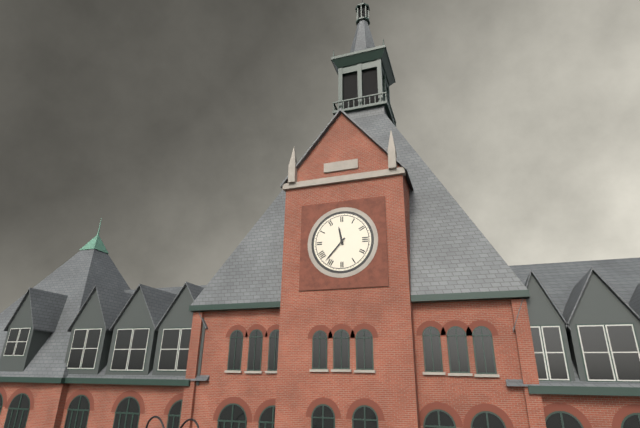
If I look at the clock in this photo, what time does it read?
11:37
